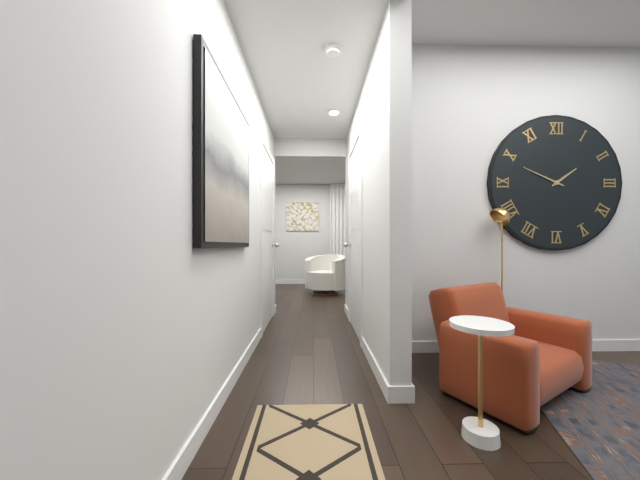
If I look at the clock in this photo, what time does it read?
1:49
